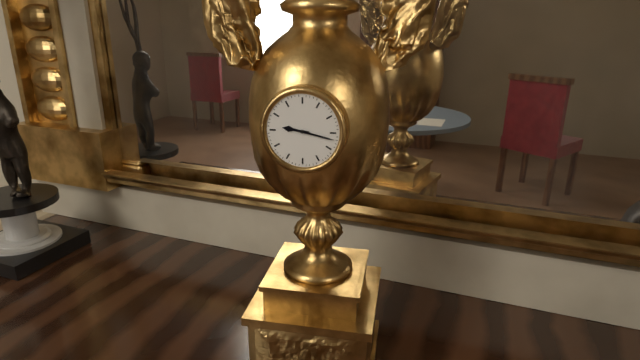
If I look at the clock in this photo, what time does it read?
9:17
